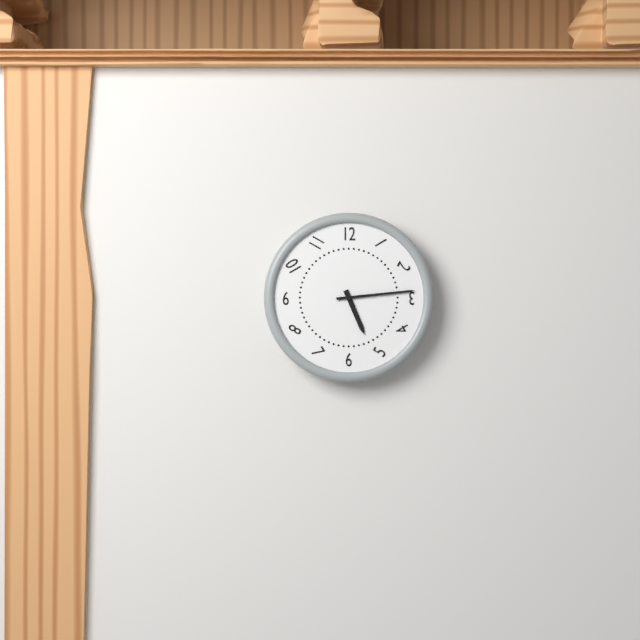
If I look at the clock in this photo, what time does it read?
5:14
